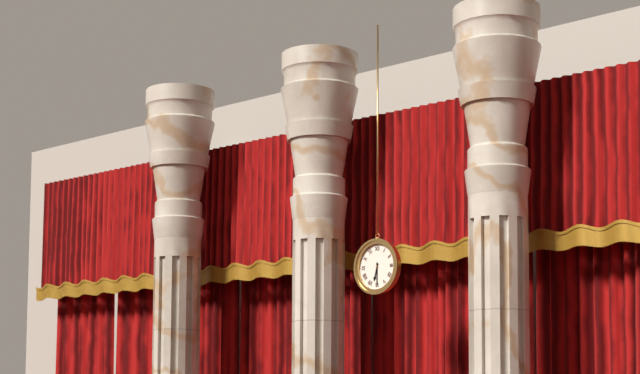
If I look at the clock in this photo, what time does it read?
6:30
